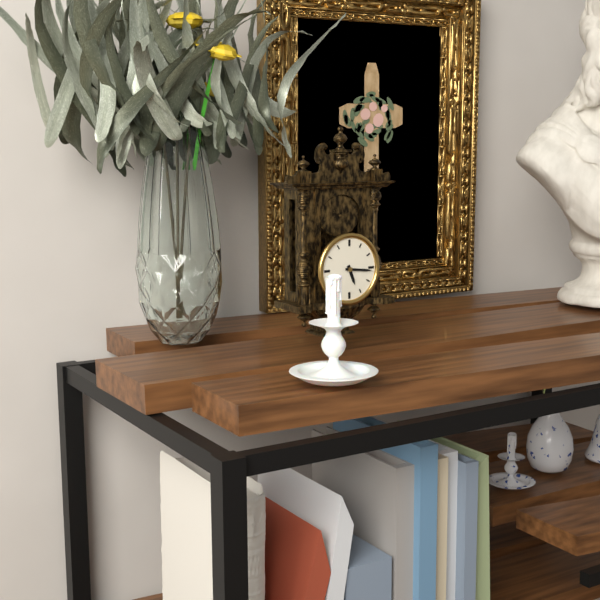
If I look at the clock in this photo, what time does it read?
5:16
